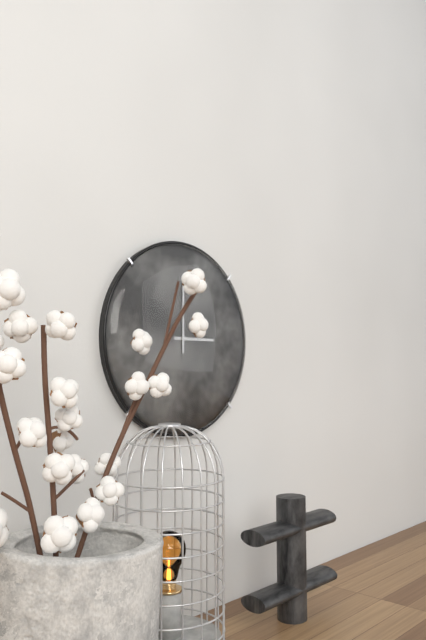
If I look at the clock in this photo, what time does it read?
3:00
